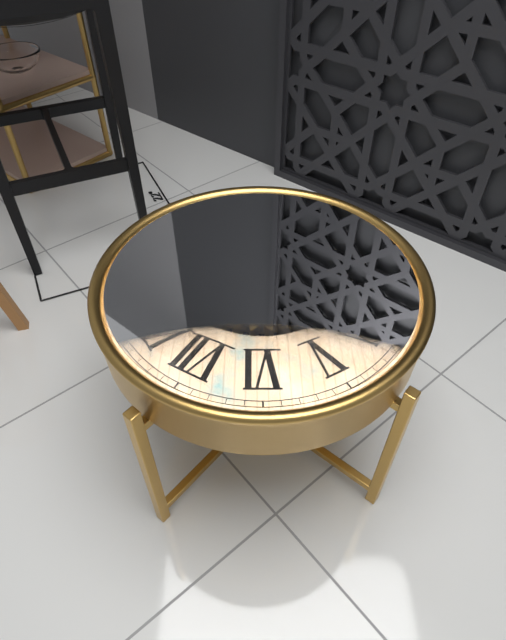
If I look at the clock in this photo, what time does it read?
8:12
